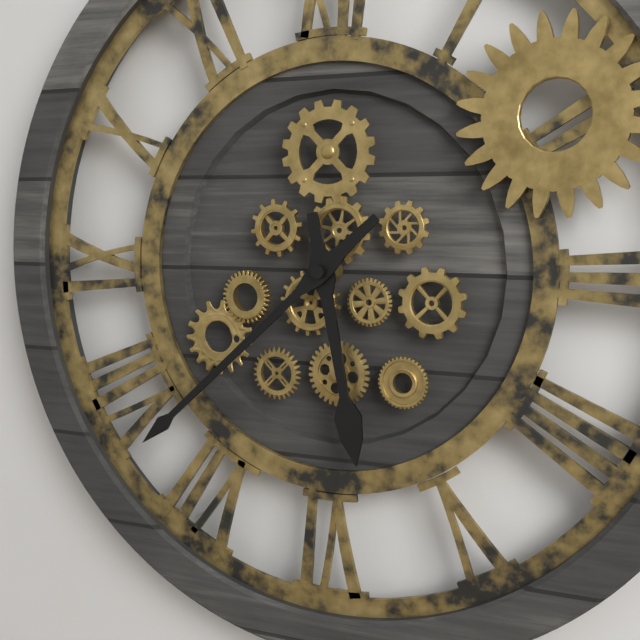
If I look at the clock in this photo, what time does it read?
5:38
